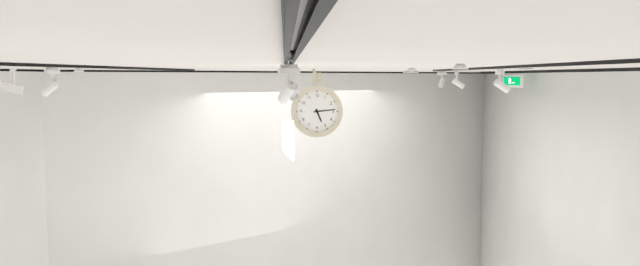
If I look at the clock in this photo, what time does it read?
5:14
